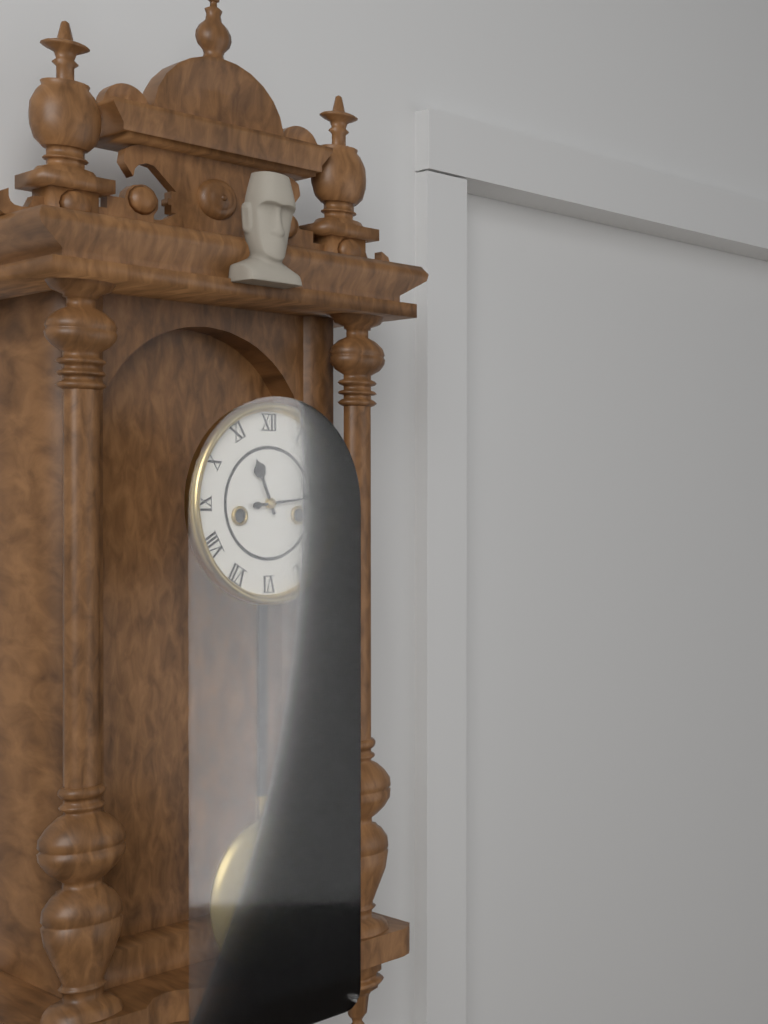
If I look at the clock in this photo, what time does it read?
11:14
